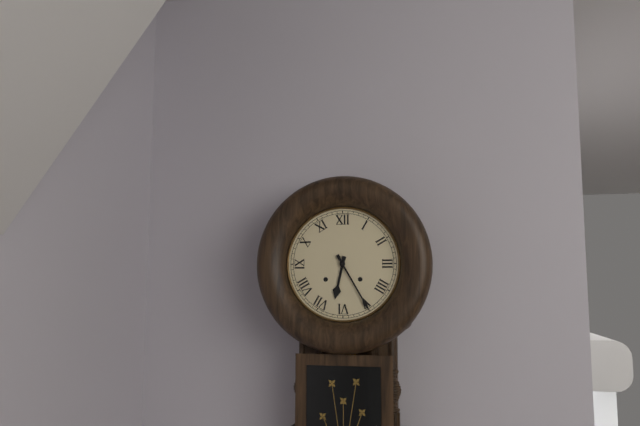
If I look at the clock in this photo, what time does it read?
6:25
